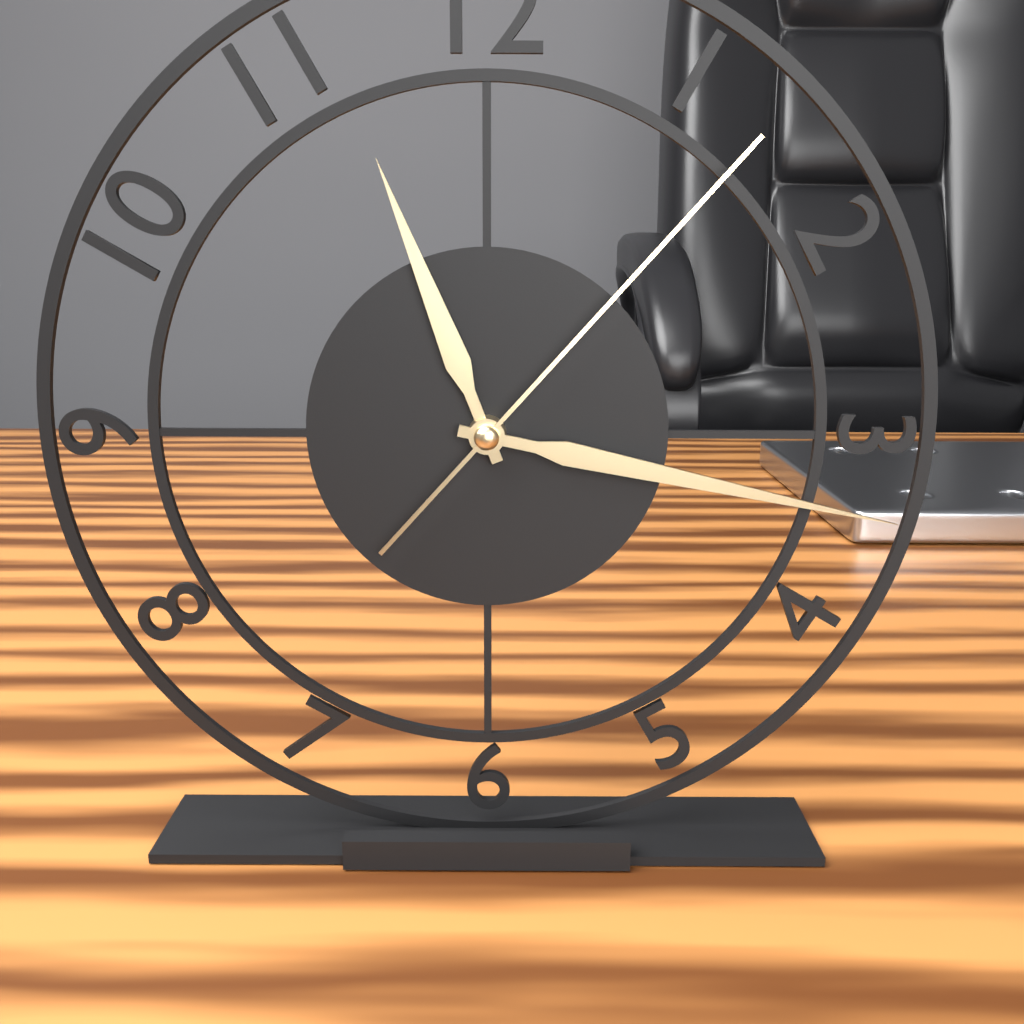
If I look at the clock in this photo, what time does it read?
11:17:07
